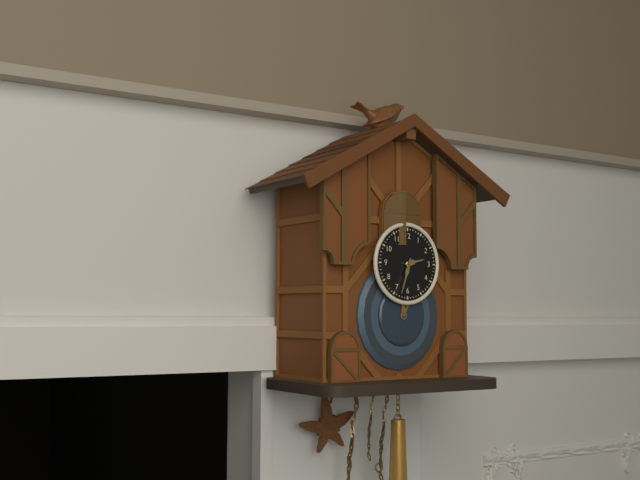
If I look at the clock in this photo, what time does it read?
2:33
